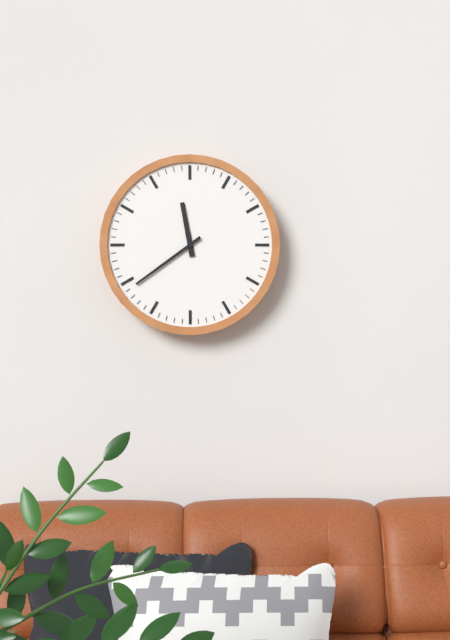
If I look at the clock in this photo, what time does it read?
11:39
